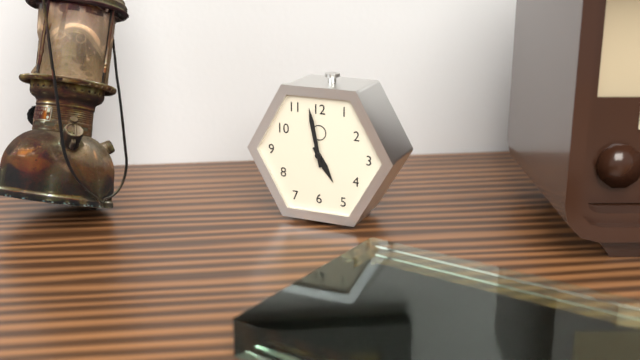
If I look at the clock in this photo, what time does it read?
4:58
